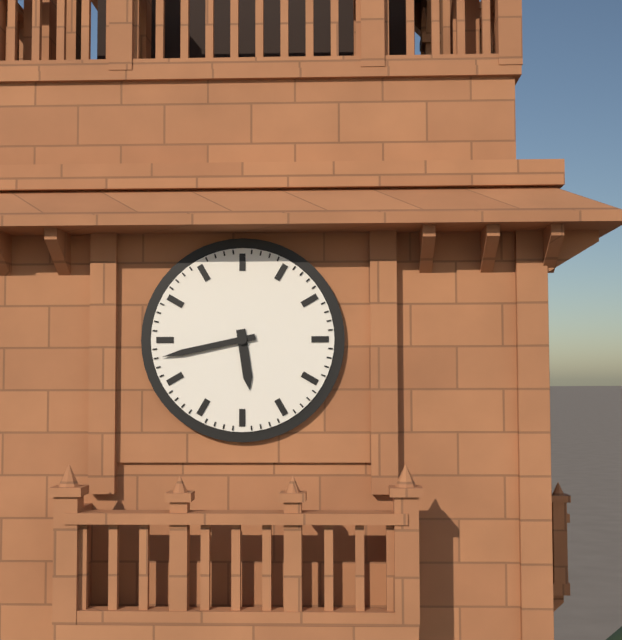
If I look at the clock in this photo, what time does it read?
5:43
